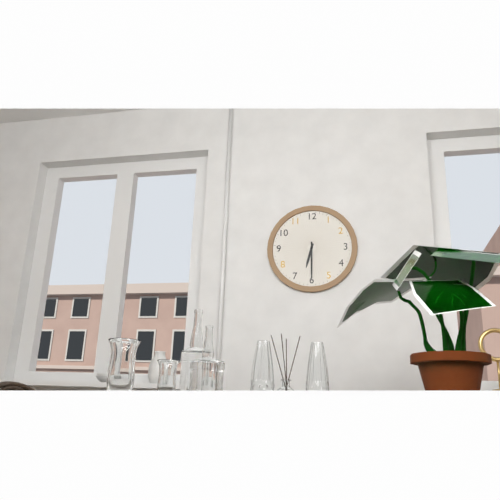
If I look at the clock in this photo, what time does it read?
6:30
